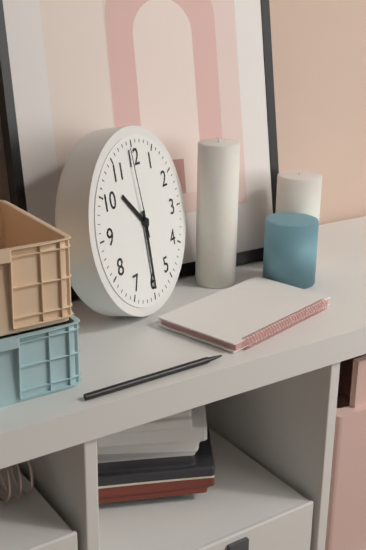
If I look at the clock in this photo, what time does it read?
10:30:59
